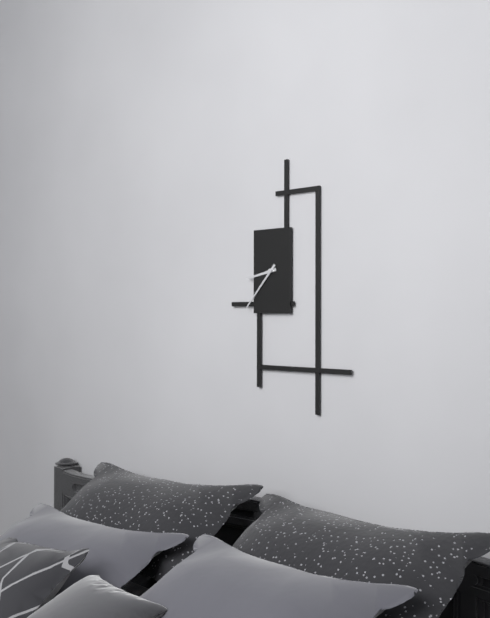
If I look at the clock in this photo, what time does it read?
8:37
